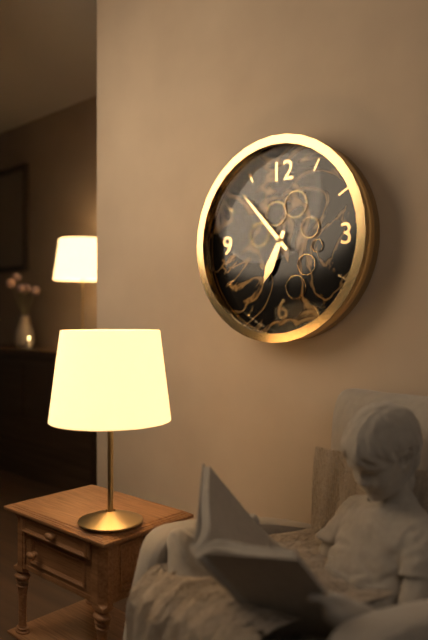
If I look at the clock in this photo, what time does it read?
6:53
